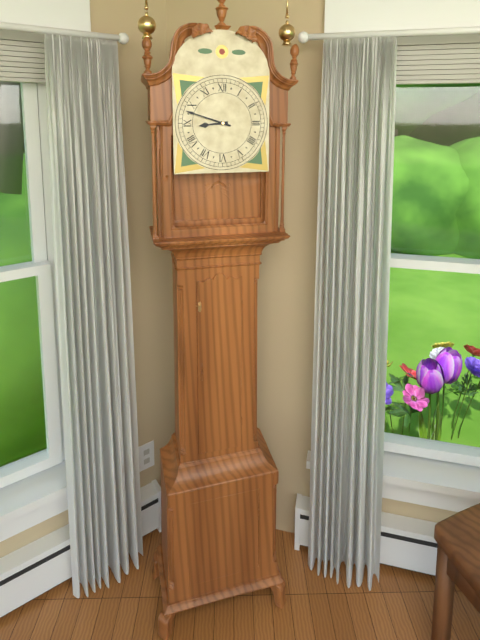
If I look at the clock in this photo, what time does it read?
8:48
